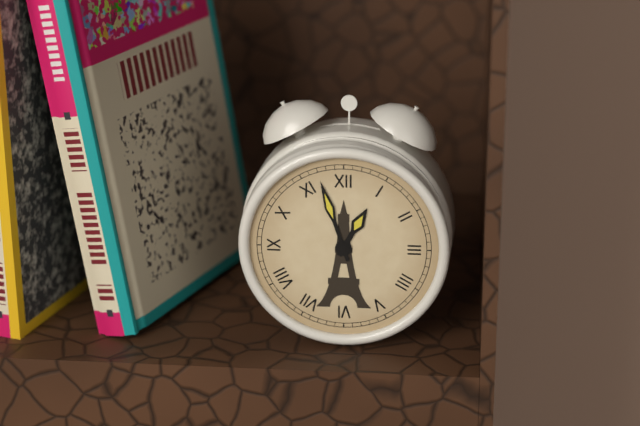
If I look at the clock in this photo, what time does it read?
12:57
